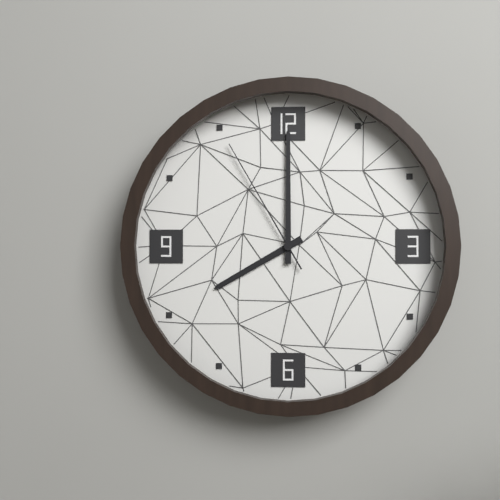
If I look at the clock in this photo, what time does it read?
8:00:55
